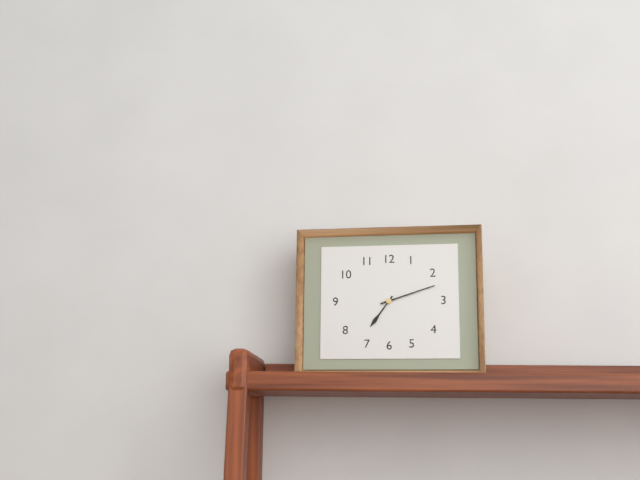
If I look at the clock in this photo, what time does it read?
7:12
